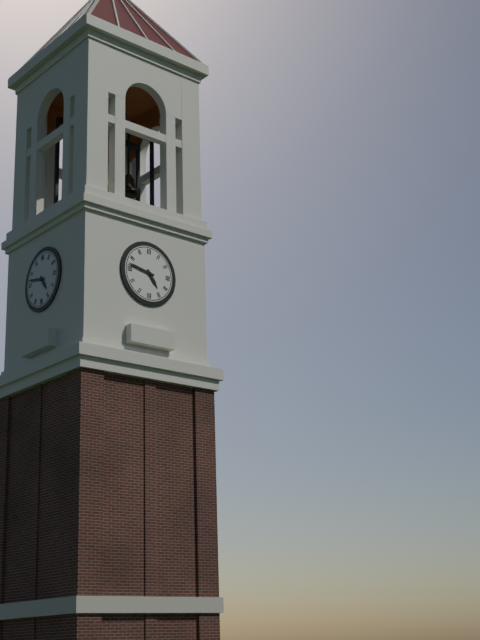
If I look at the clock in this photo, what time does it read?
4:47
